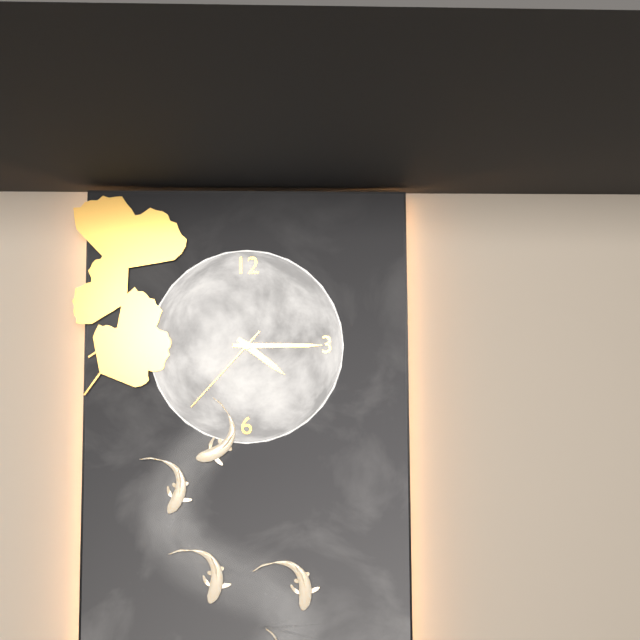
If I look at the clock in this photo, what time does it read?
4:15:37
